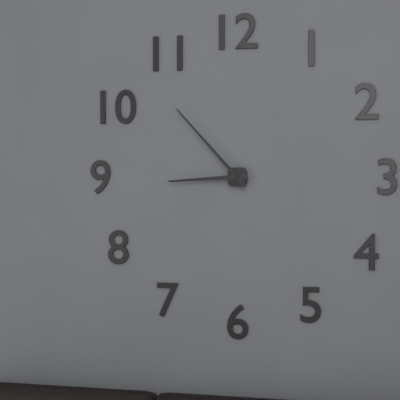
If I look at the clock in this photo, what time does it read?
8:53
